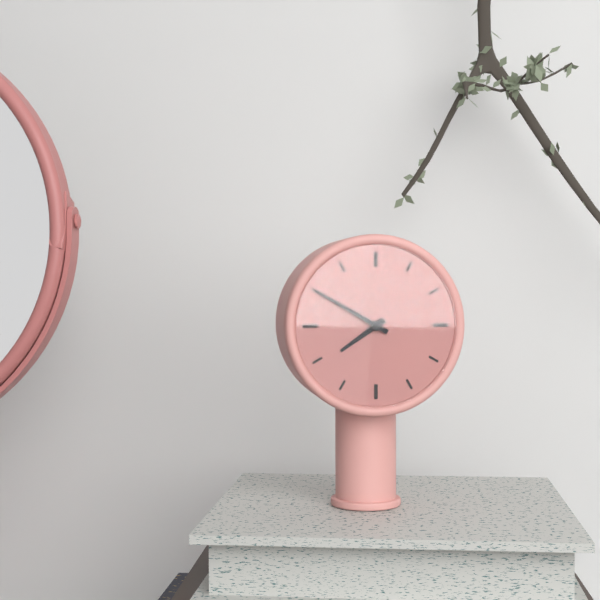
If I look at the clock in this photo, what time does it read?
7:50
